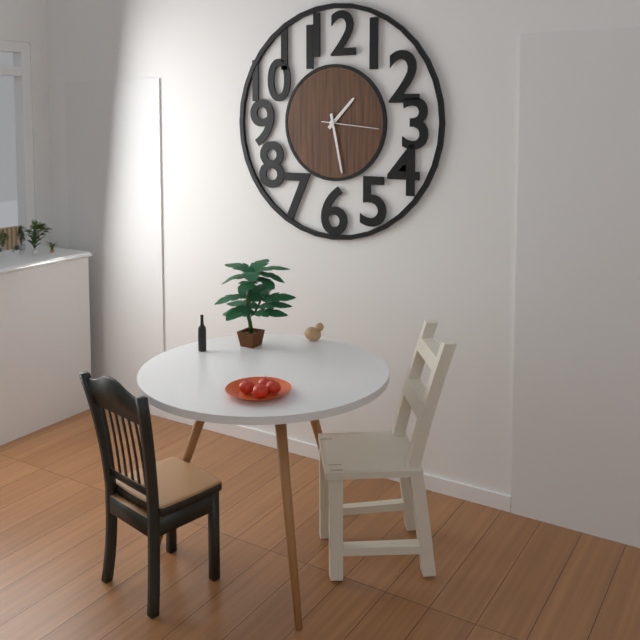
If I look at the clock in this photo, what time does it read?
1:28:16
